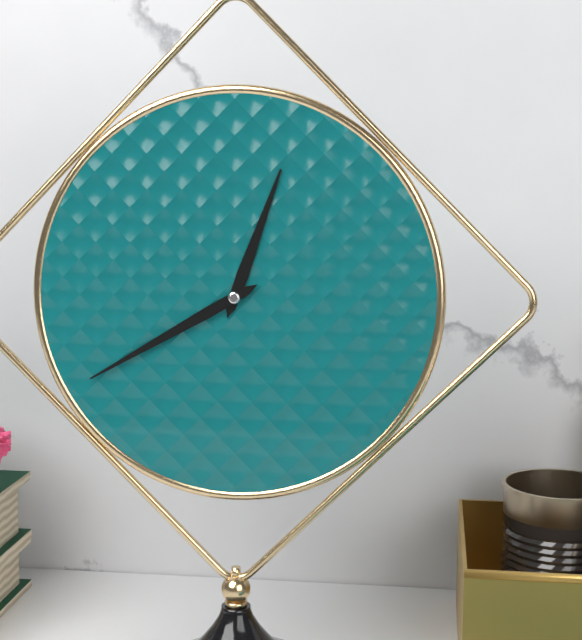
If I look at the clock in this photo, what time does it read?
12:40
